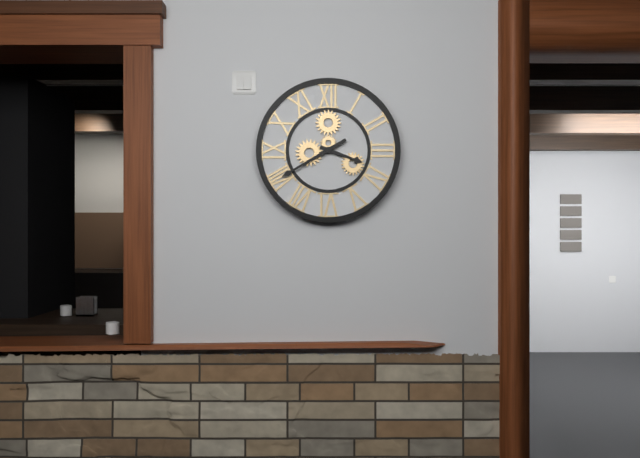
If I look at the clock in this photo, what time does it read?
3:40
